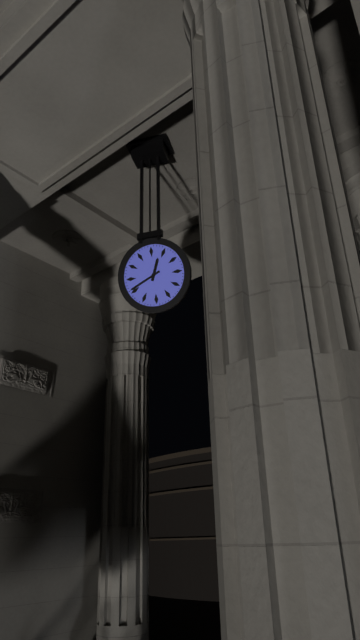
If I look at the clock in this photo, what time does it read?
12:41
